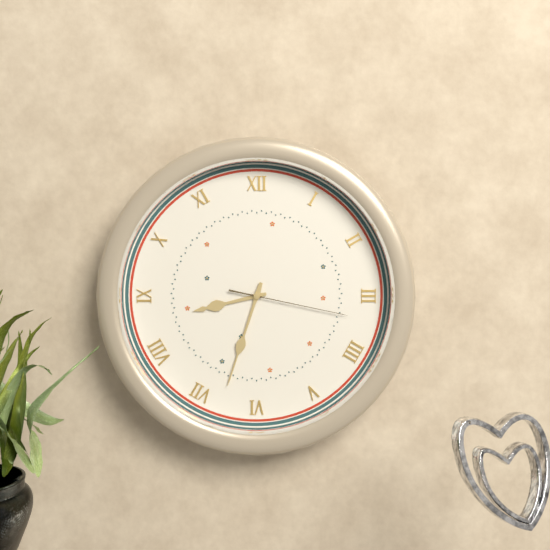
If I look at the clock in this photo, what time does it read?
8:33:17
